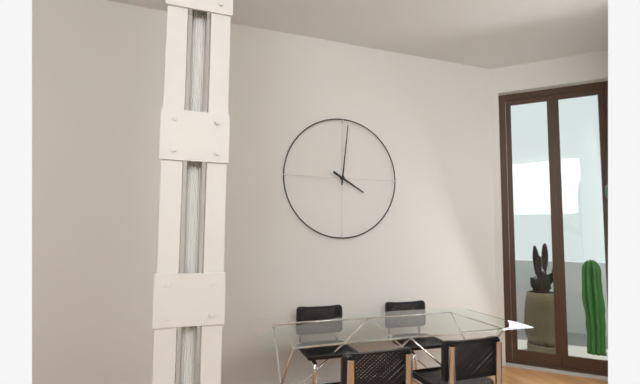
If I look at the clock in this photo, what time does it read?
4:01
